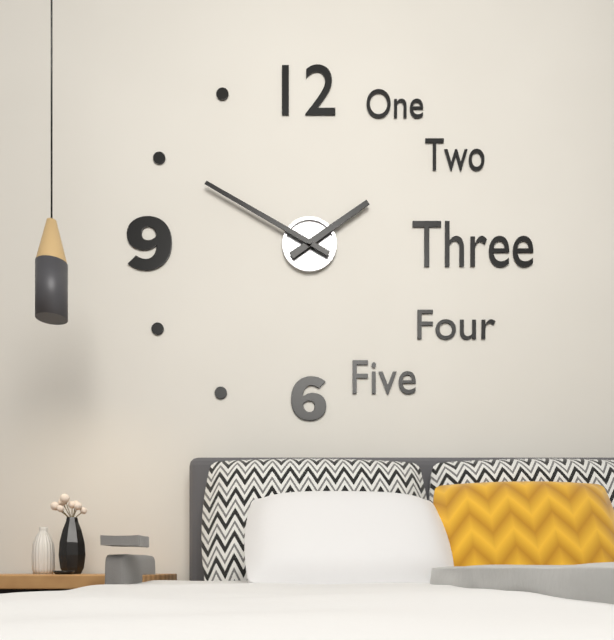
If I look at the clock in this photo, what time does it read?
1:50
